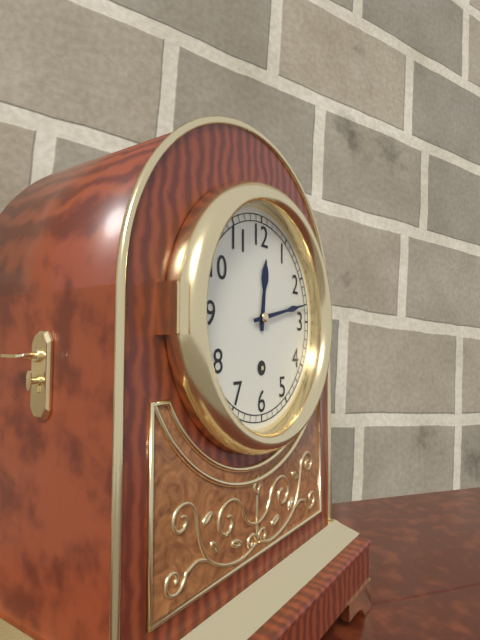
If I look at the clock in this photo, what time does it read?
12:13
